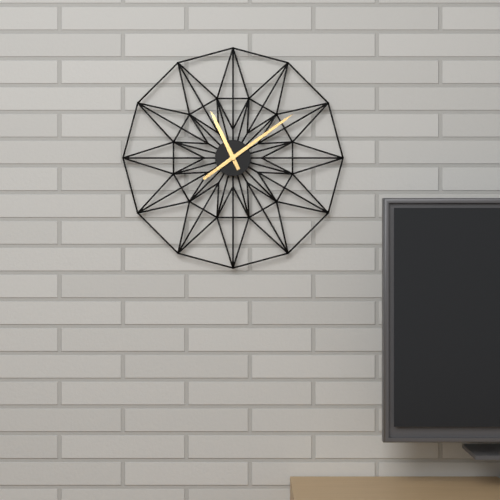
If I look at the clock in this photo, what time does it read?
11:09
